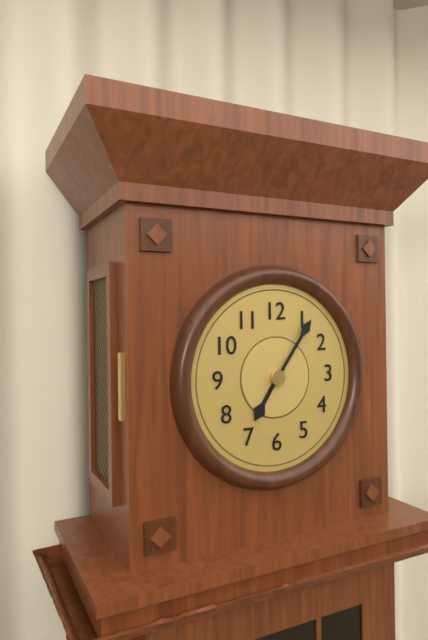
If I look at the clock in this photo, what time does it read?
7:06
